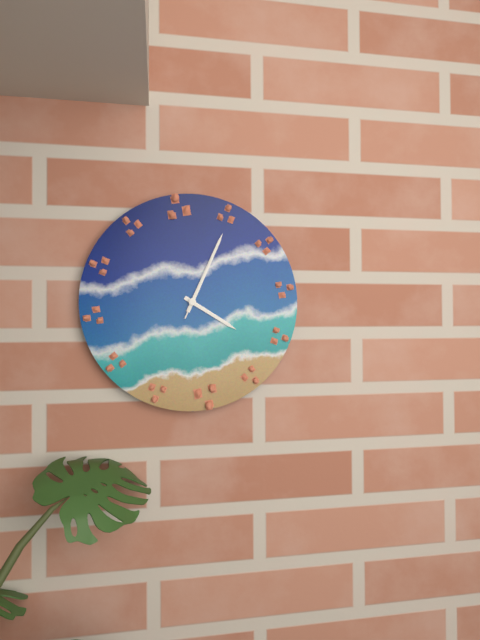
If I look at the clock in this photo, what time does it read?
4:04:04
